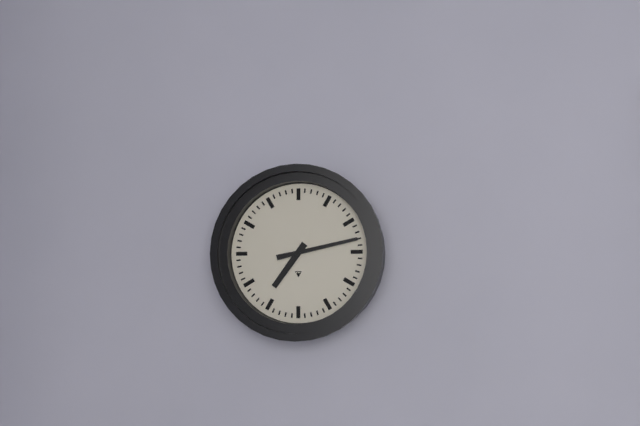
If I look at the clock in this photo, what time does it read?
7:13
